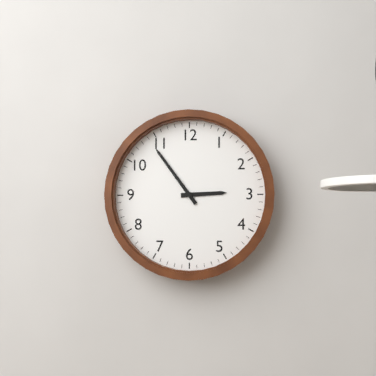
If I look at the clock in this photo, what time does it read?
2:54
